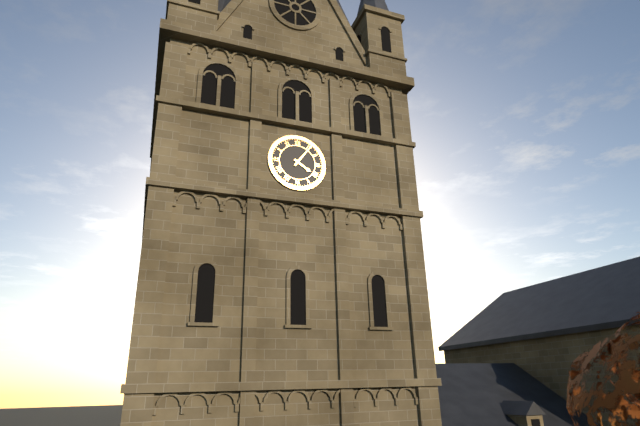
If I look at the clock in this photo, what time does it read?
4:06
